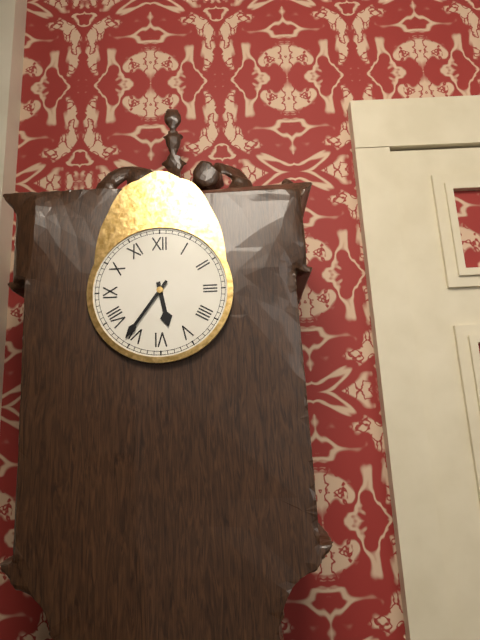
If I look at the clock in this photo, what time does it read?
5:36
